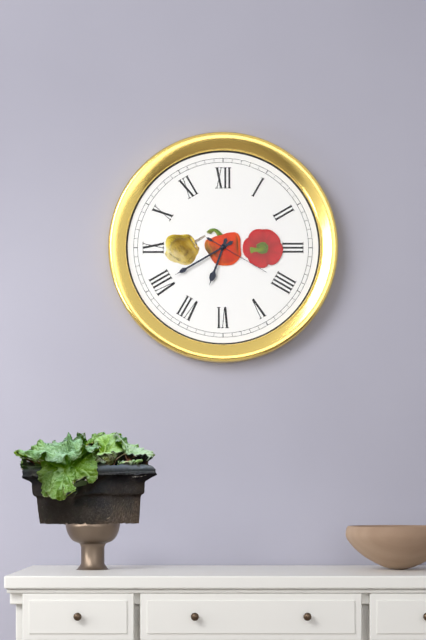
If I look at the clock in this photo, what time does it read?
6:40:20
